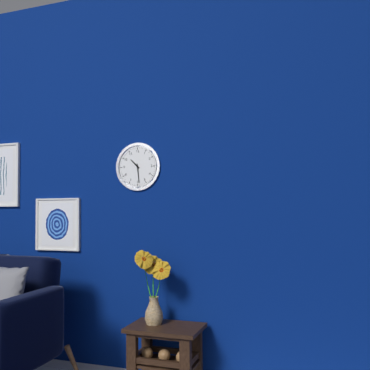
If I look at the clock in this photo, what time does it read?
10:29
